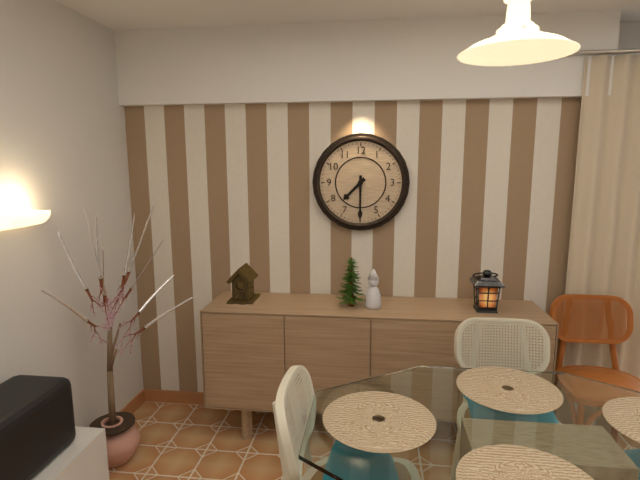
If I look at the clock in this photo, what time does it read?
7:30
